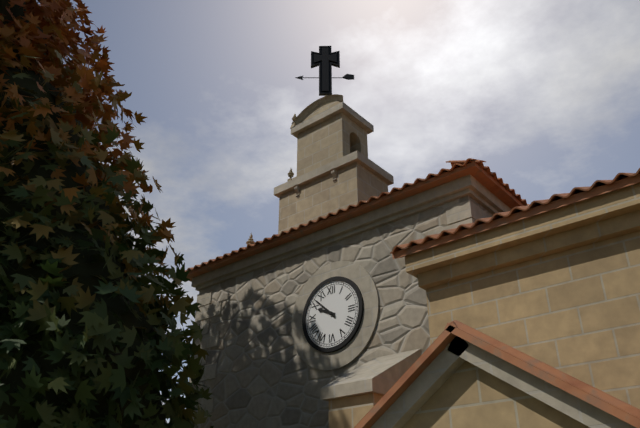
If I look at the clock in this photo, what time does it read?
9:52
